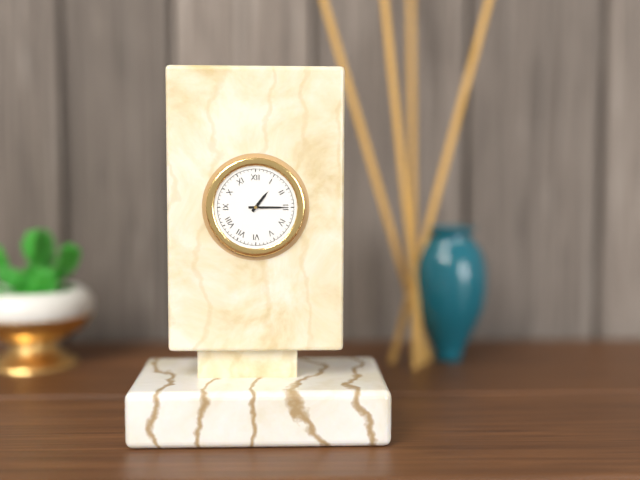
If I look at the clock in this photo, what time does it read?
1:15
